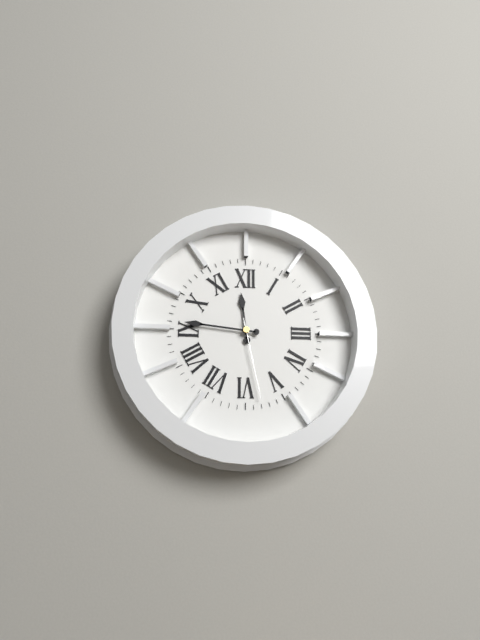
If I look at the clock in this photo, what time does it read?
11:46:28
